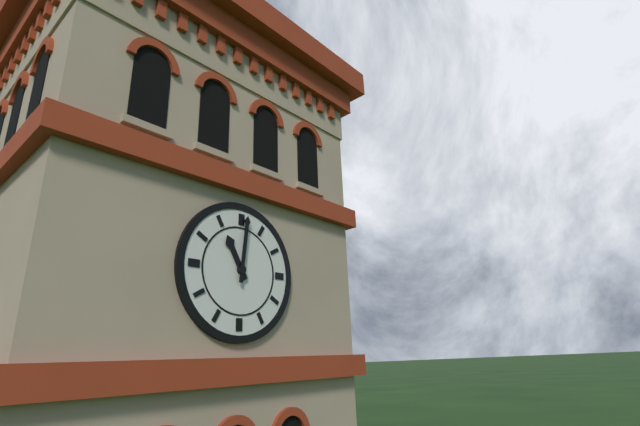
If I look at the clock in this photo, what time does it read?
11:01
